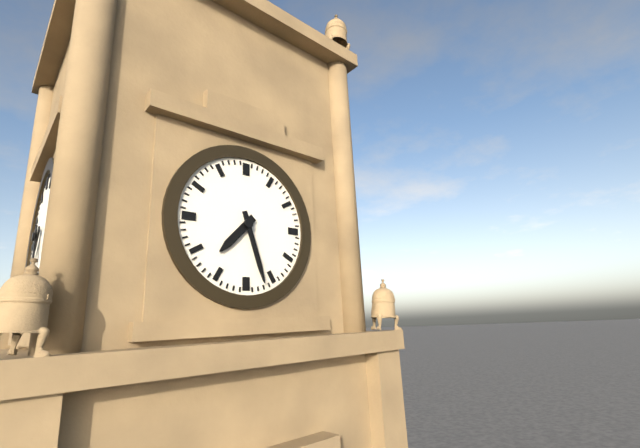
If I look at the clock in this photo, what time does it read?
7:27
